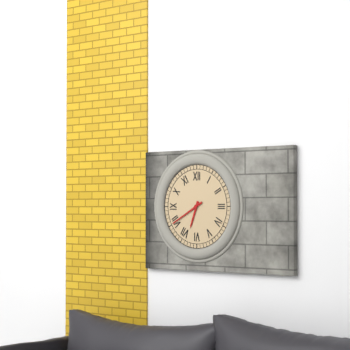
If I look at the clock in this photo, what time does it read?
6:40
